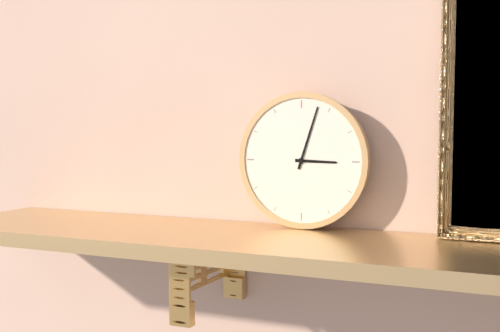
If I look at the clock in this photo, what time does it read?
3:03
